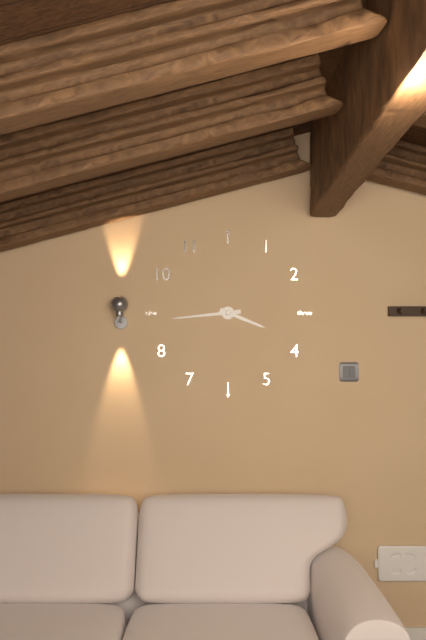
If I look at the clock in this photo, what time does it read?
3:44
